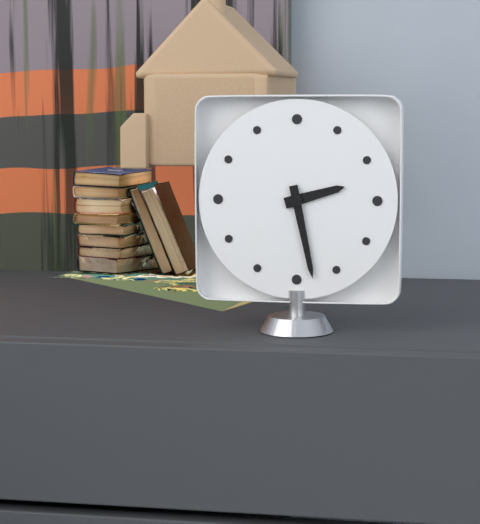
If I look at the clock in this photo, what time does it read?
2:28
